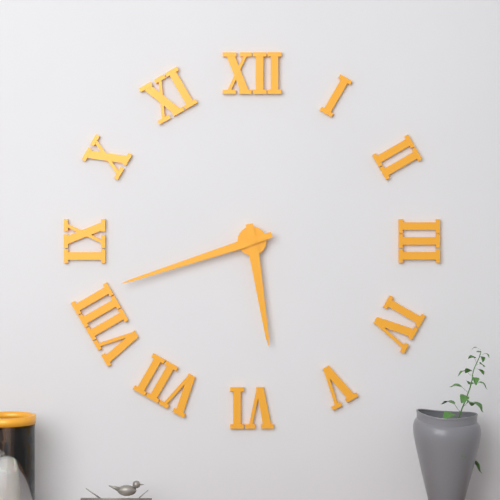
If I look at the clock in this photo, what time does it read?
5:42
